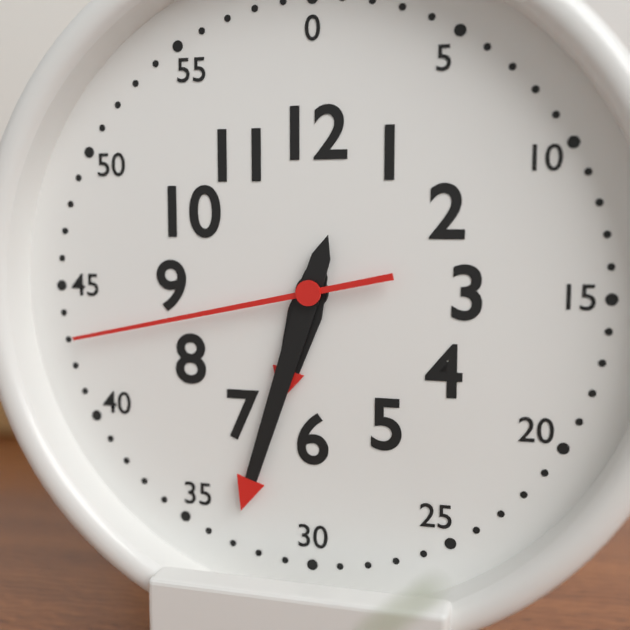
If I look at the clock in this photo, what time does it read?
6:33:43
